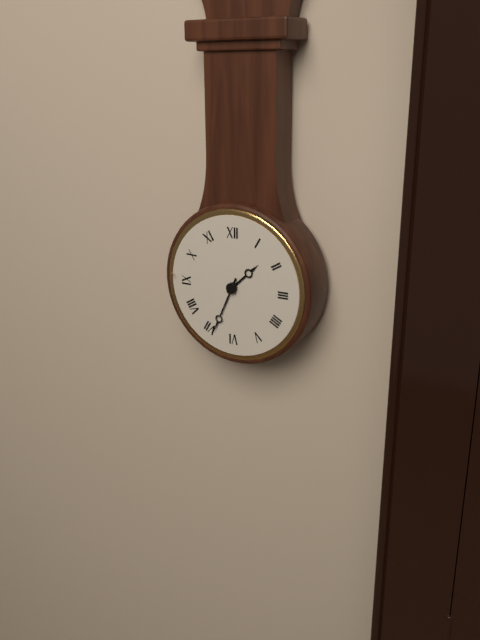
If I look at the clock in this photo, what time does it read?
1:34
